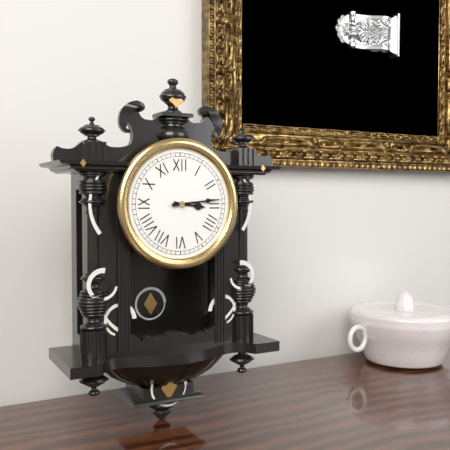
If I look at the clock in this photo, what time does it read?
3:14
